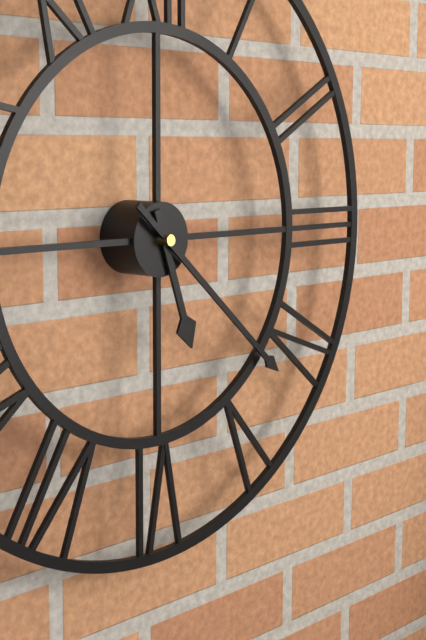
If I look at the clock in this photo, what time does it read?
5:22
